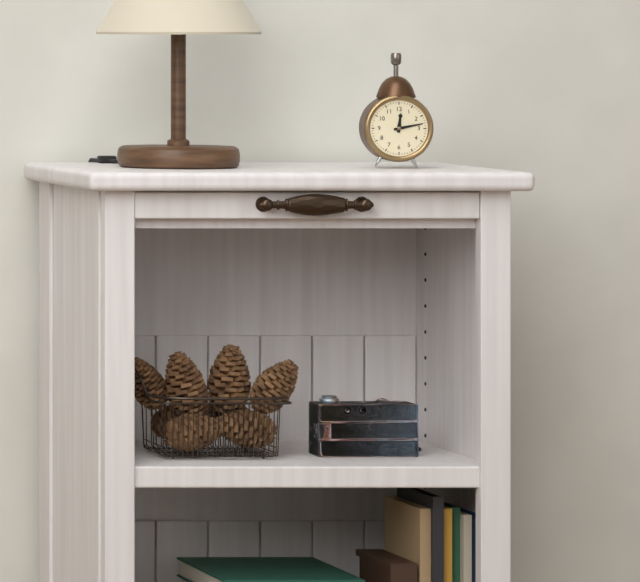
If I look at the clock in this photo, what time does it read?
12:13
